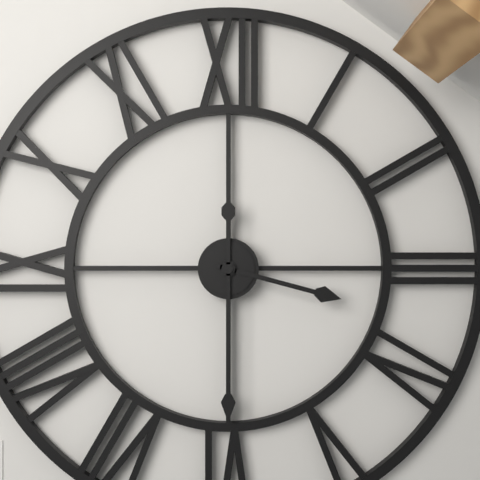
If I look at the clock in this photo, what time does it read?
3:30
